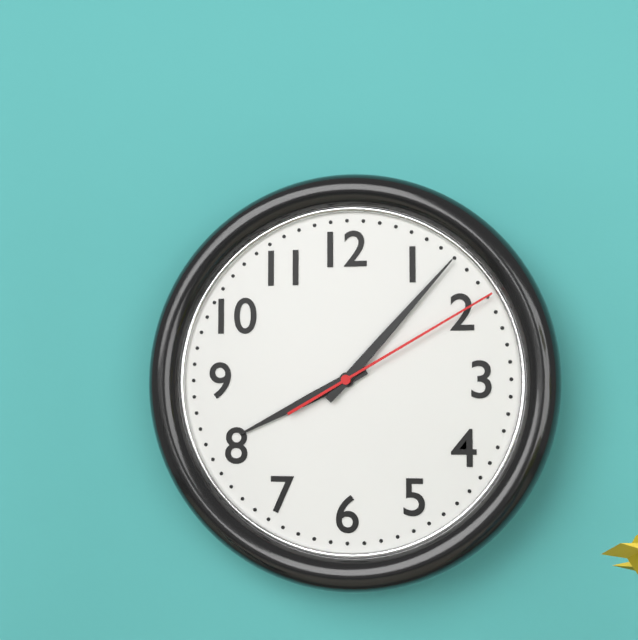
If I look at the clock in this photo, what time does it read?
8:07:10
